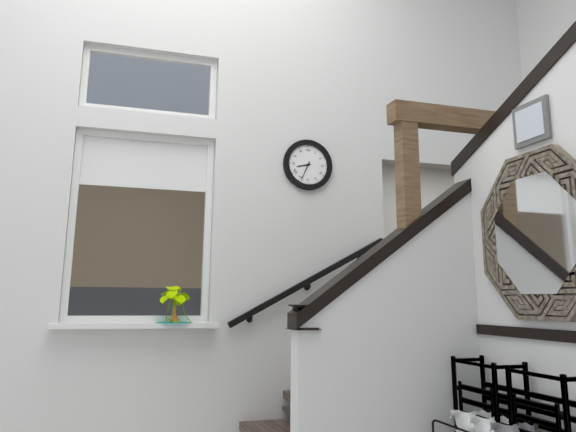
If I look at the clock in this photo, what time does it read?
8:34
